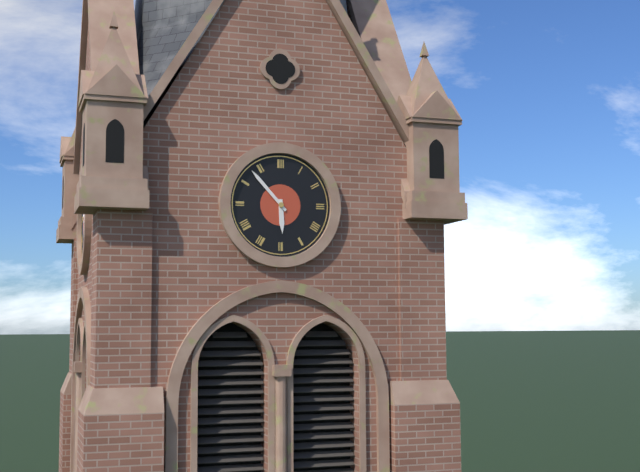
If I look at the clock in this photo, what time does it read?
5:53
